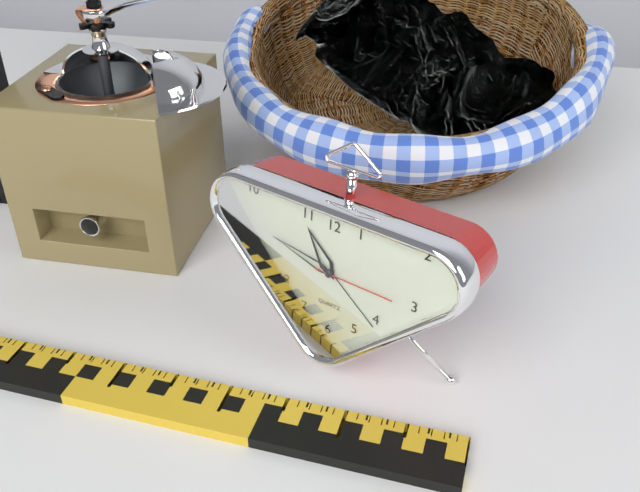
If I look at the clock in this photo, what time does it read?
10:47:15
